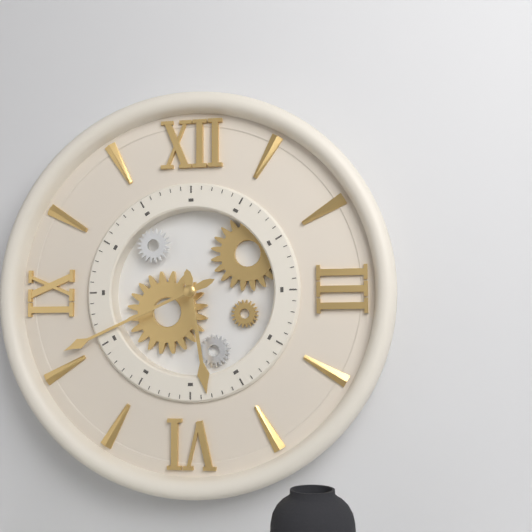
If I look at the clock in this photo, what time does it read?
5:41
